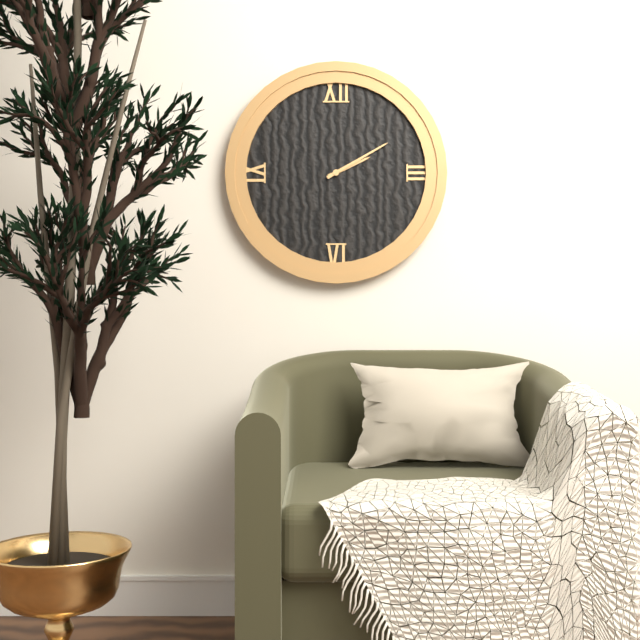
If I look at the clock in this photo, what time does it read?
2:10
